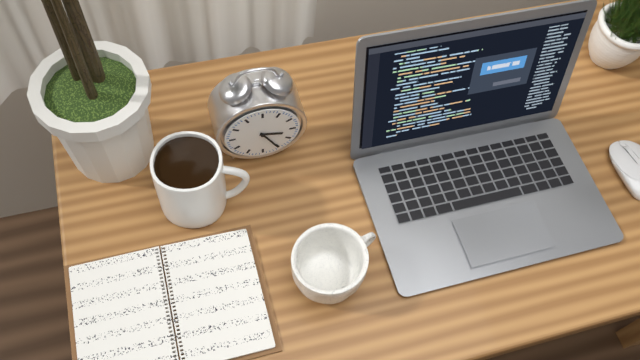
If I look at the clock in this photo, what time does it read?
3:25
